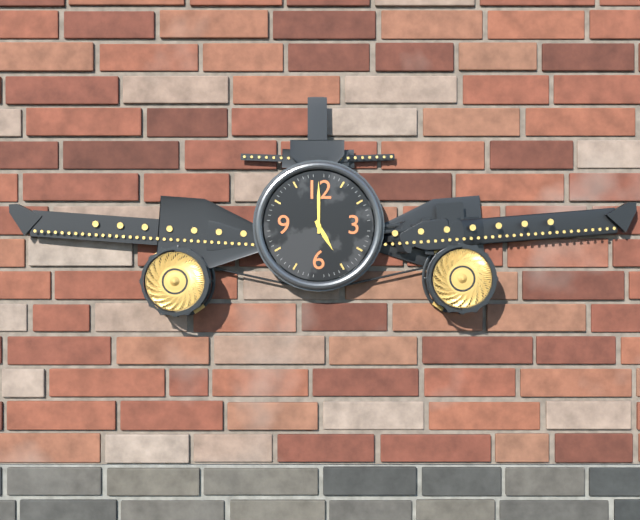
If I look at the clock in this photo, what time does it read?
5:00
